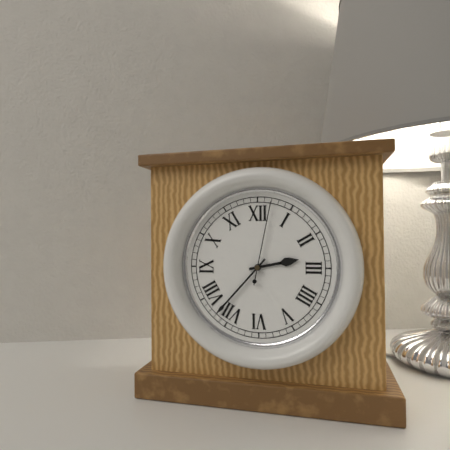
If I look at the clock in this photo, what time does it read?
2:37:02
